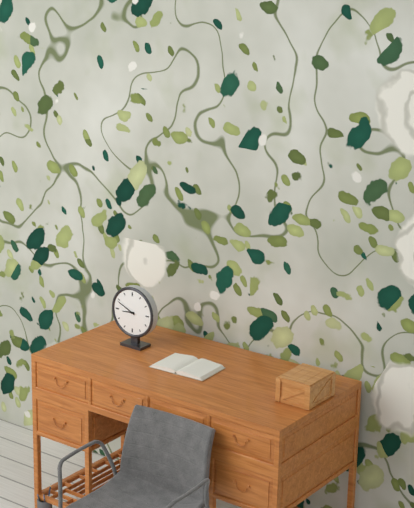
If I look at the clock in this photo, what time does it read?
8:49
